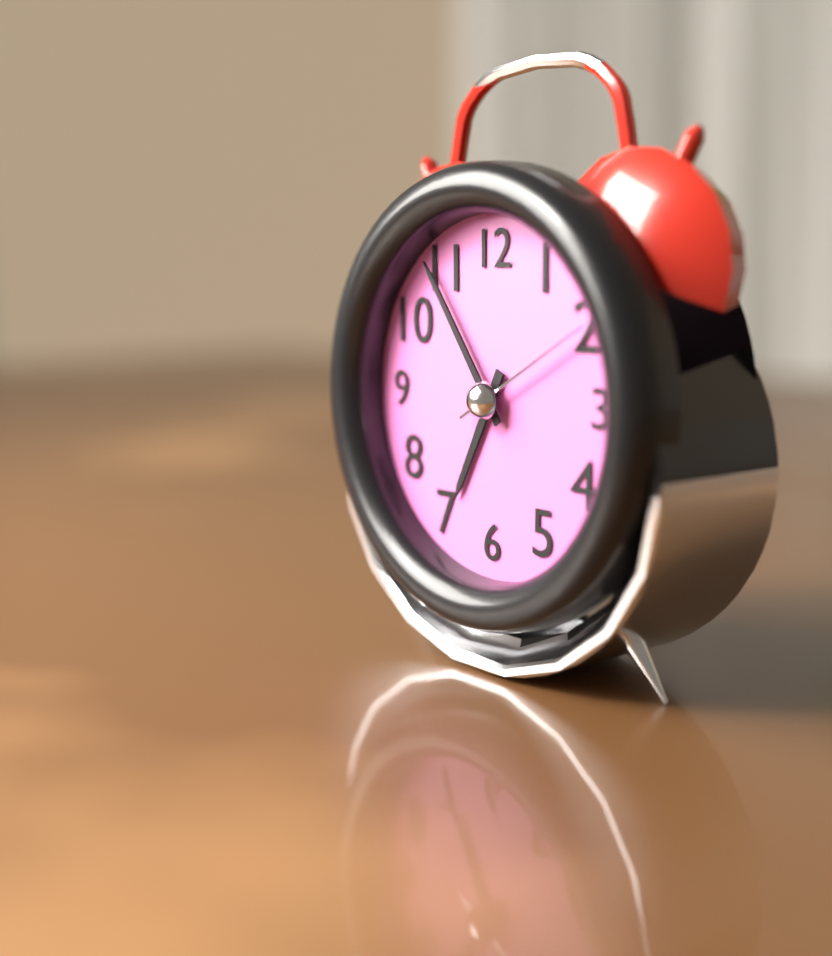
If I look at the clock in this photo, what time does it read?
6:54:10
